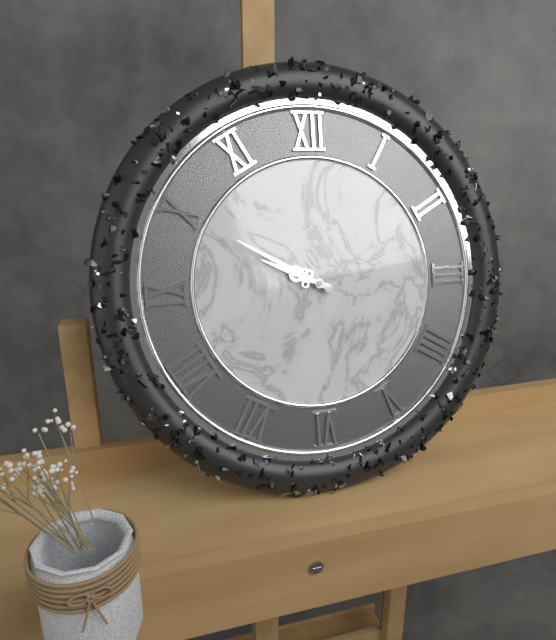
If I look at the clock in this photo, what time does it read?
9:50
